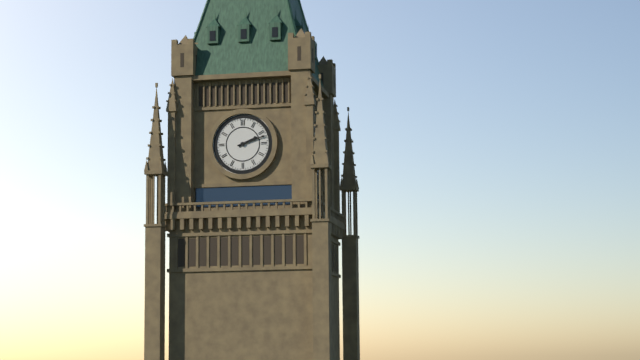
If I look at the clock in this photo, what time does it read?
2:12
